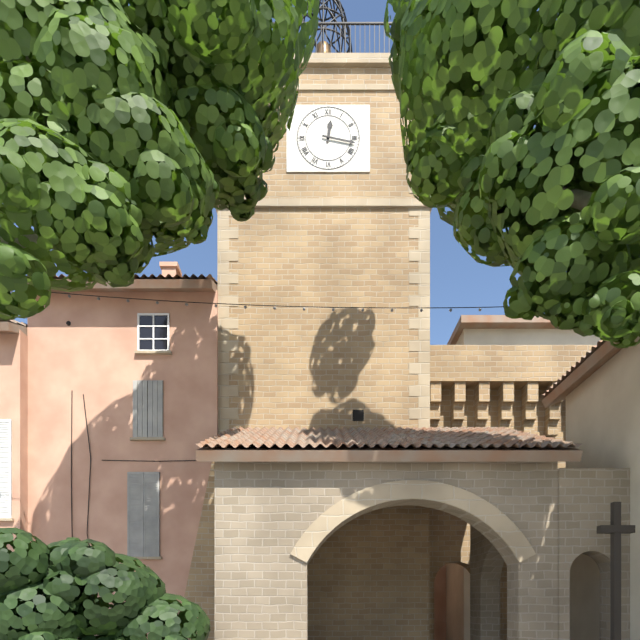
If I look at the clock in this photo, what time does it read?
12:17
